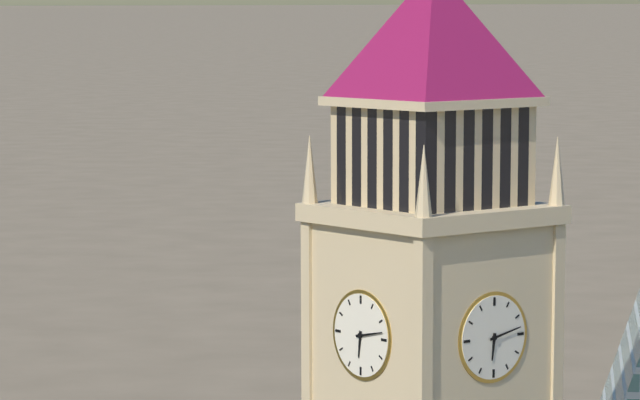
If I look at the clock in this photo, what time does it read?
6:13
